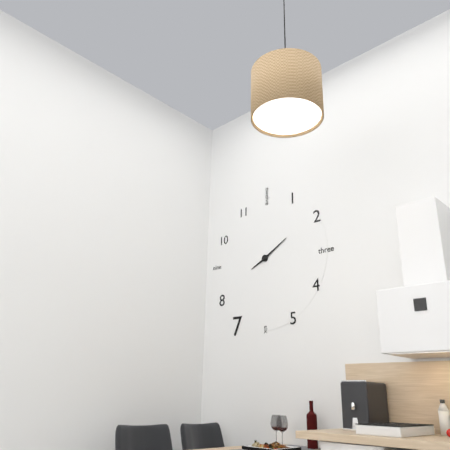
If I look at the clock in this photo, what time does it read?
8:10
